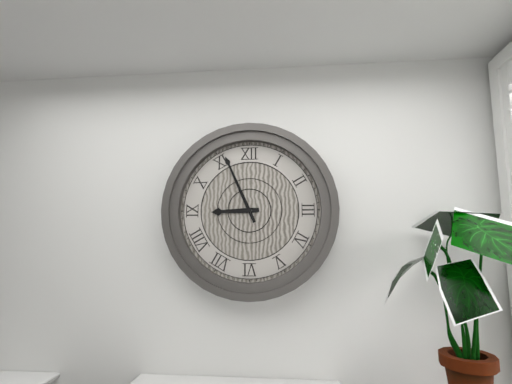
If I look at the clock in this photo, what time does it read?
8:56
